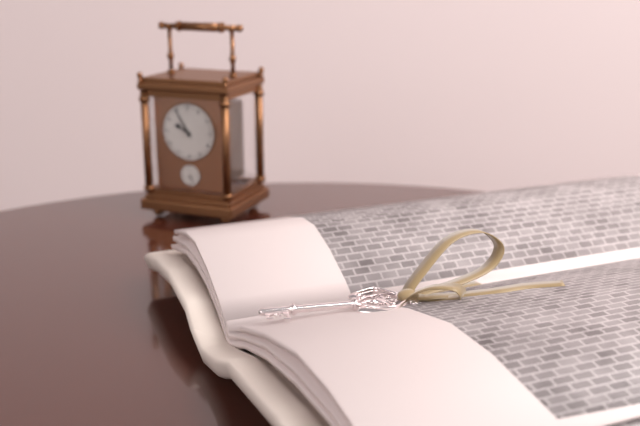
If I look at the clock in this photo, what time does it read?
9:55
